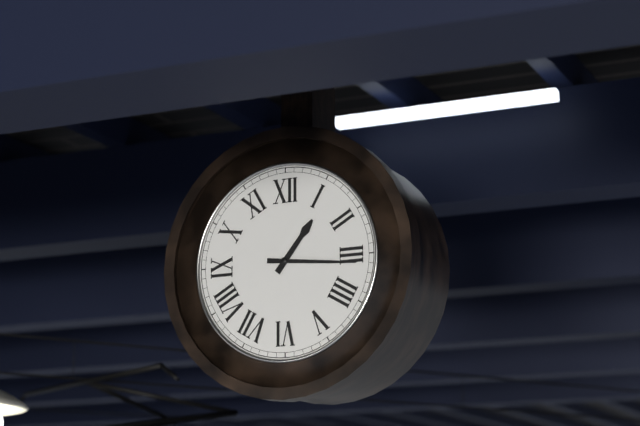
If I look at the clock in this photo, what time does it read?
1:16
